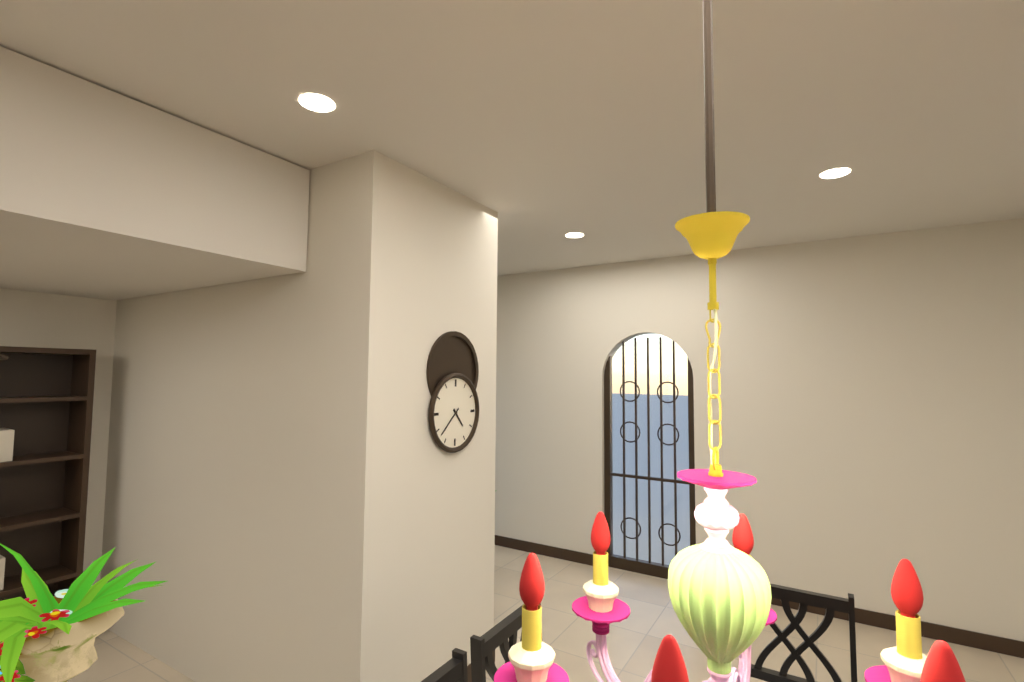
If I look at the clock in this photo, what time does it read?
4:38
